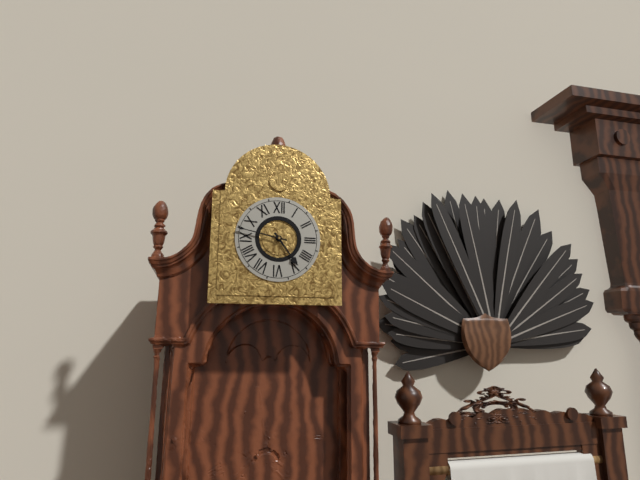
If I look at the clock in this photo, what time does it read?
4:47
